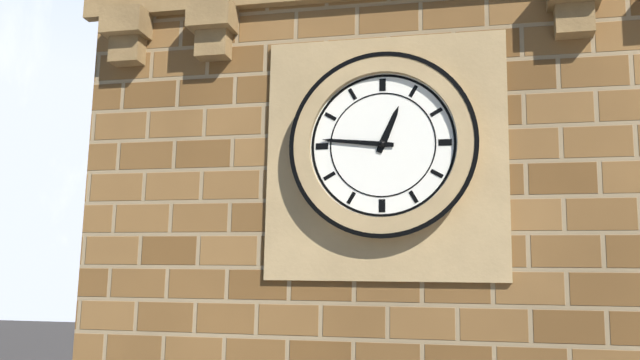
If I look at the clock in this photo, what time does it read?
12:46
